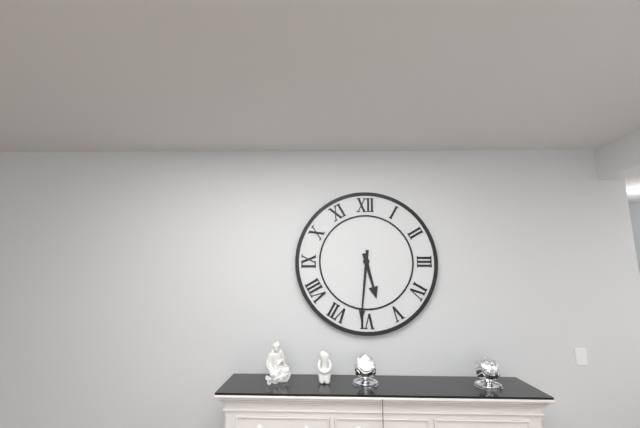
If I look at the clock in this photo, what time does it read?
5:31
